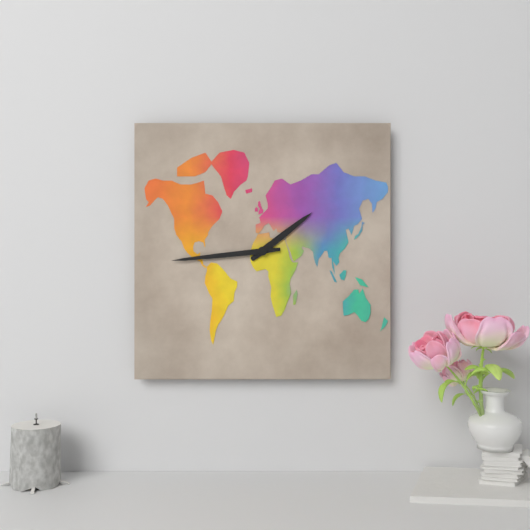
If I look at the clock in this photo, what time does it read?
1:44
